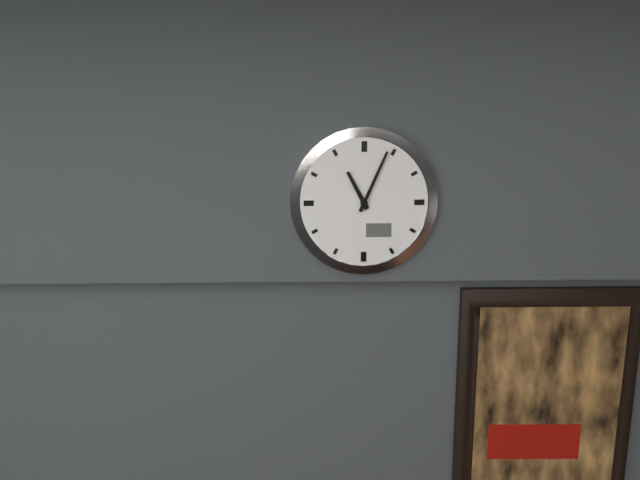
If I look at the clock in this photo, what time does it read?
11:04
